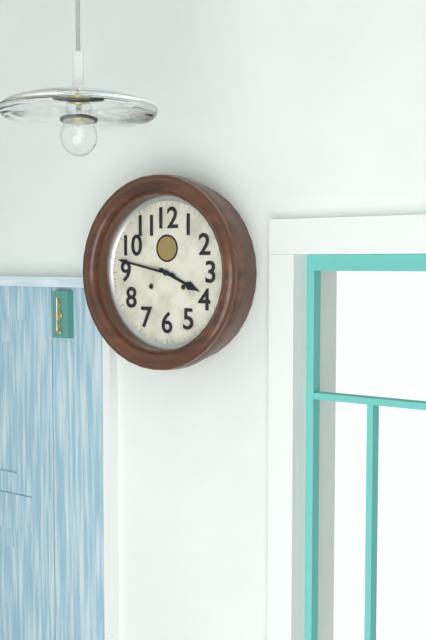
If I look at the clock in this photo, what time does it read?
3:47
